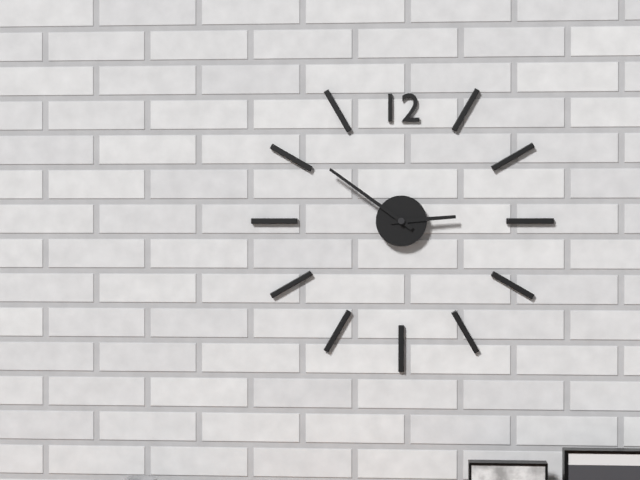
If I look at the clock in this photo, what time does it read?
2:51
